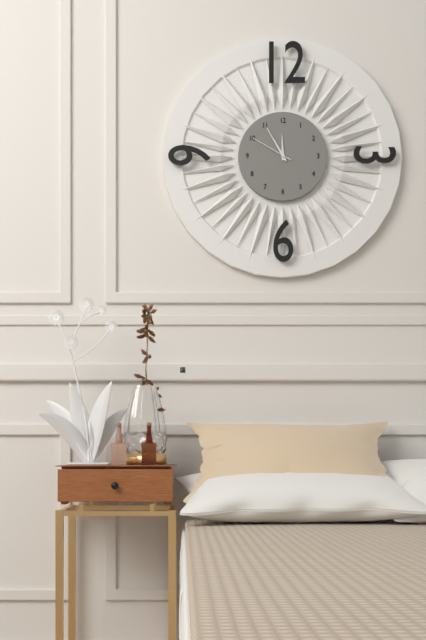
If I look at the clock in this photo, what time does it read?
11:55
